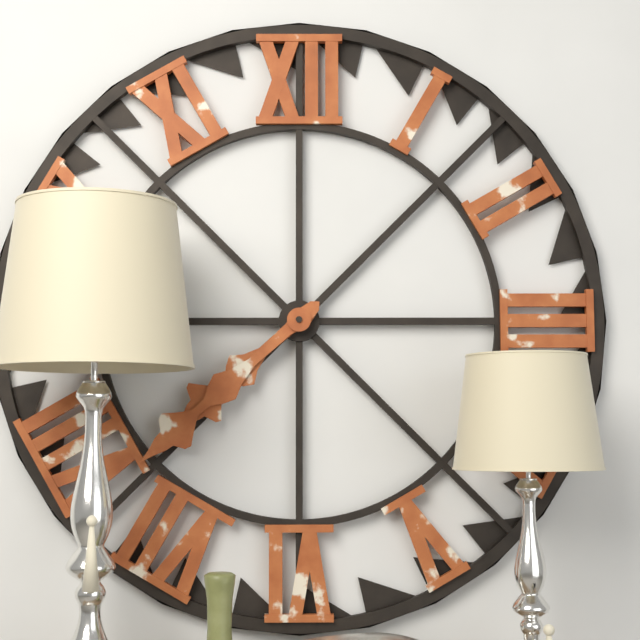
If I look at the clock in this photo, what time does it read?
7:38
